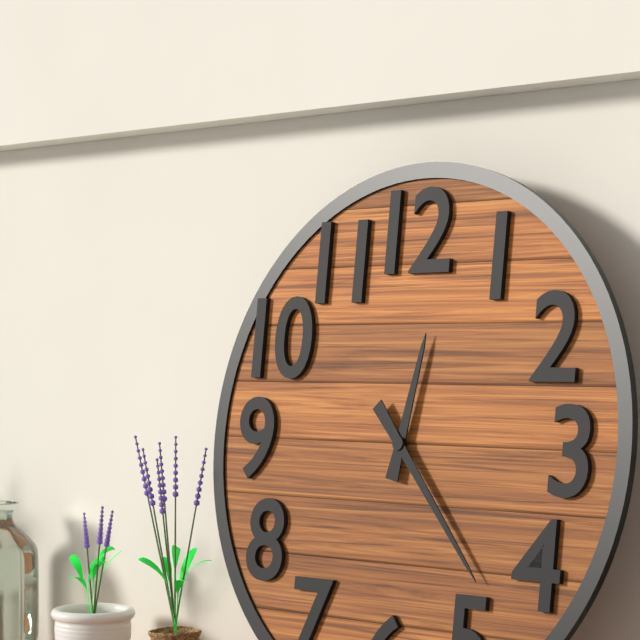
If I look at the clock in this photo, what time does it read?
12:23
